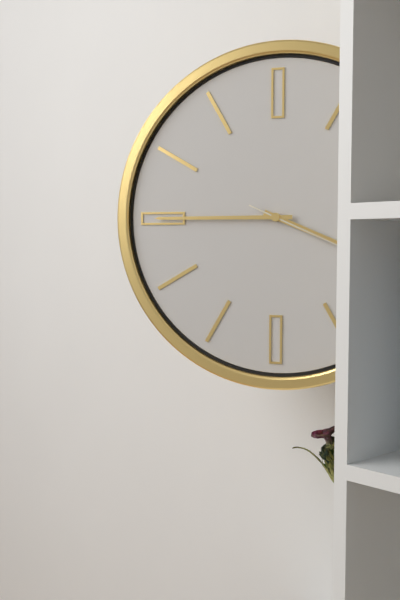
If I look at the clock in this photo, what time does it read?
3:45
